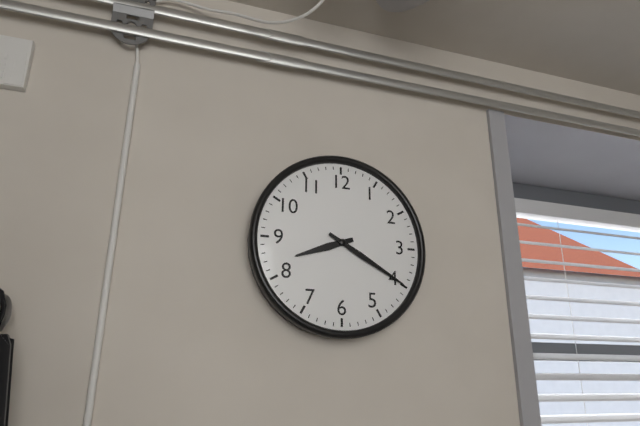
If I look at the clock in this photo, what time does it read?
8:20
